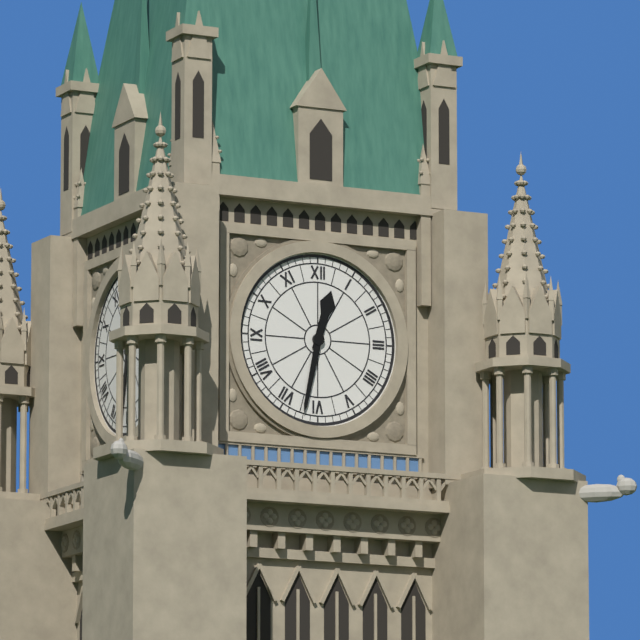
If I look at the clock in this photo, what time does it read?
12:32
